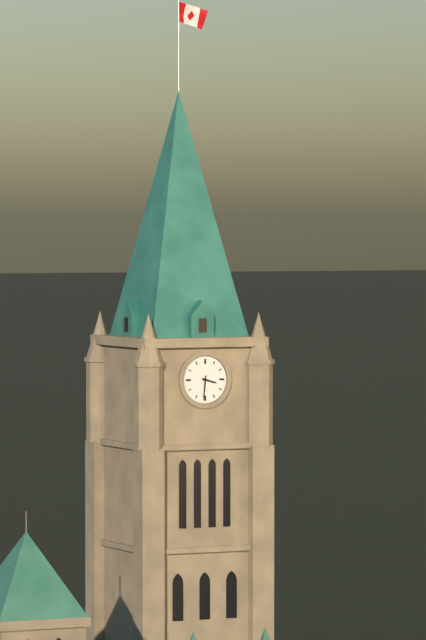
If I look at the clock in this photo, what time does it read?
3:31
